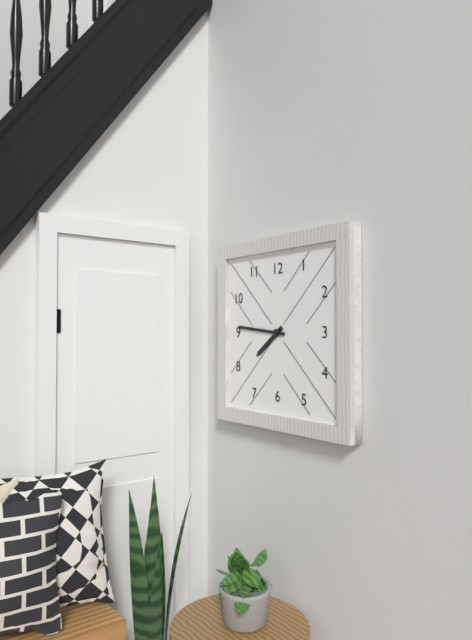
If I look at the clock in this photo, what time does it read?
7:46
